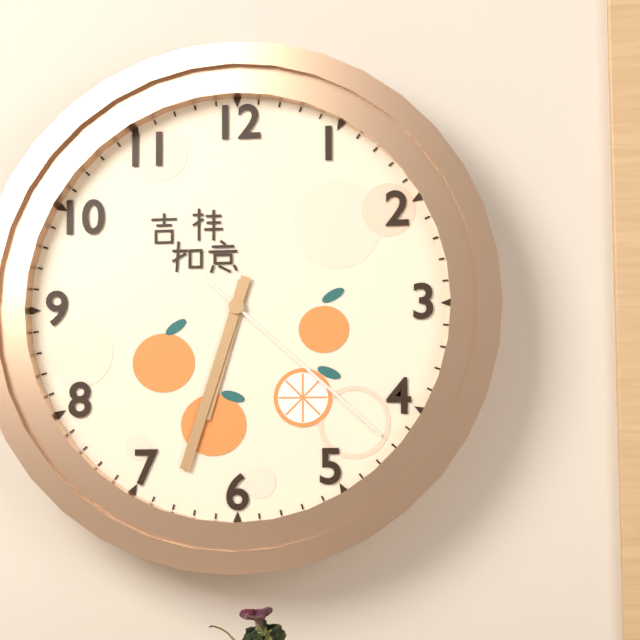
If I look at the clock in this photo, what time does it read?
6:33:22
